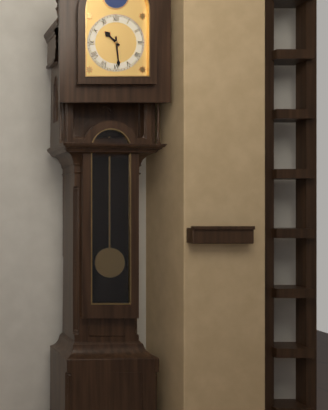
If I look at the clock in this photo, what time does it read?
10:29
